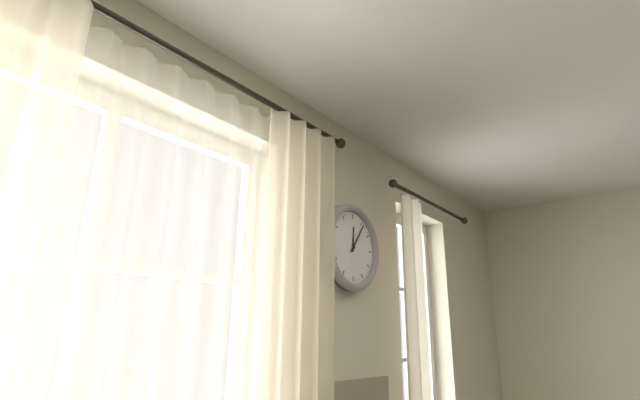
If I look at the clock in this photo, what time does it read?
12:06
